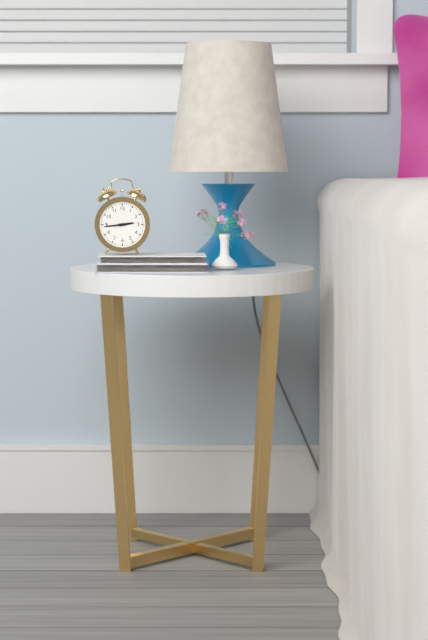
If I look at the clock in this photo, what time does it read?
2:44
